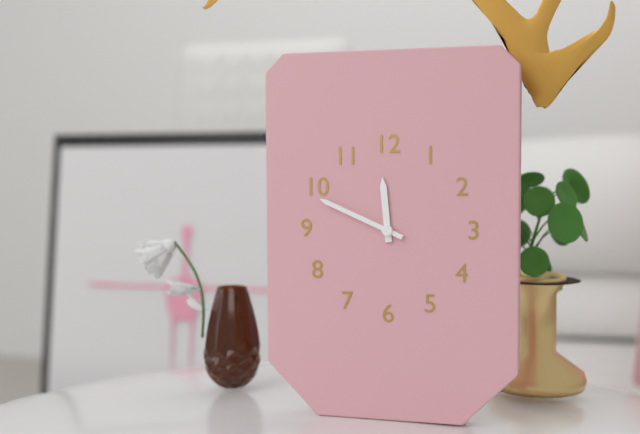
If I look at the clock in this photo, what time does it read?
11:49
